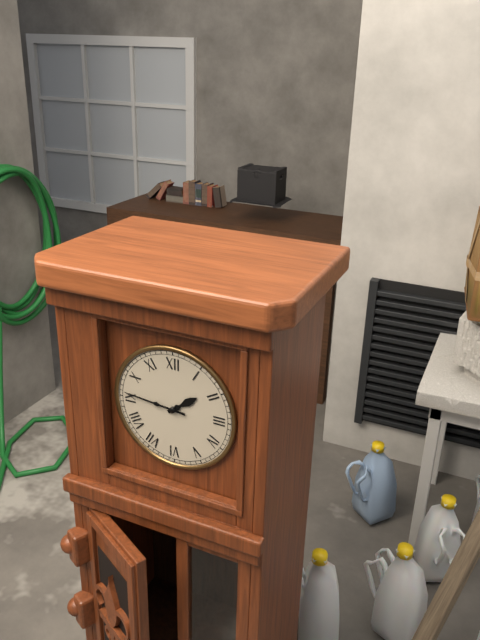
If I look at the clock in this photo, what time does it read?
1:46
